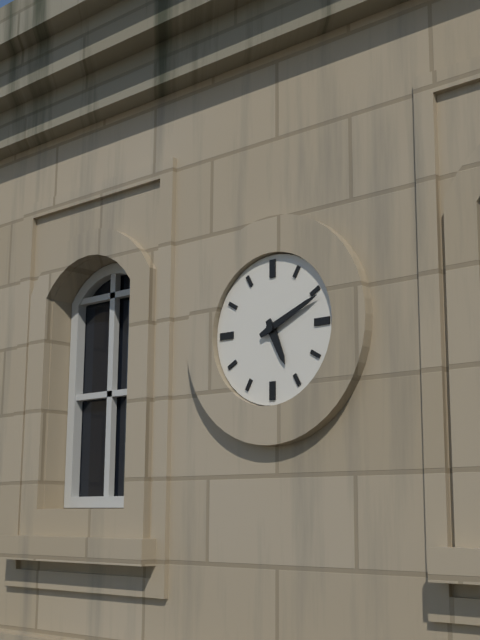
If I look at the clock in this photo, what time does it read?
5:11
